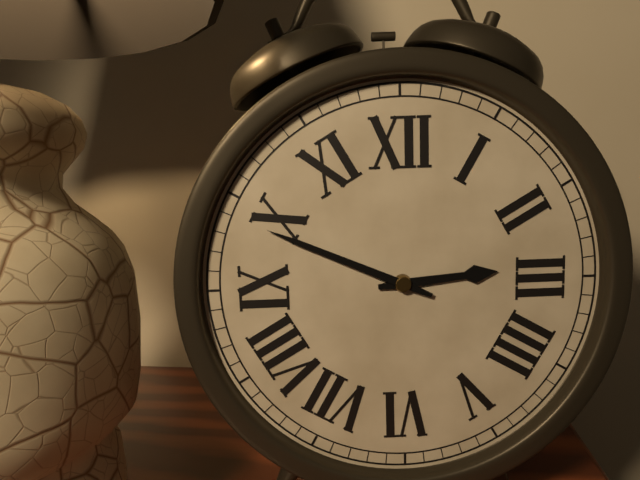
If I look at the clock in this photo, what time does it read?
2:49
